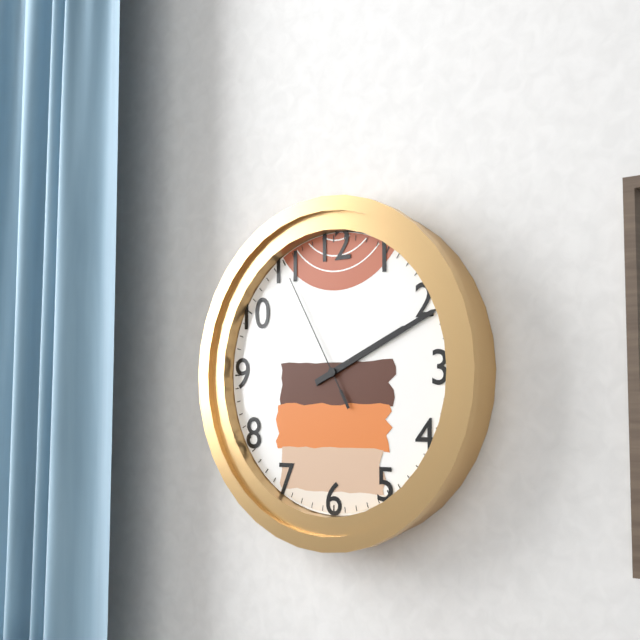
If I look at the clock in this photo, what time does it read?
2:11:55
